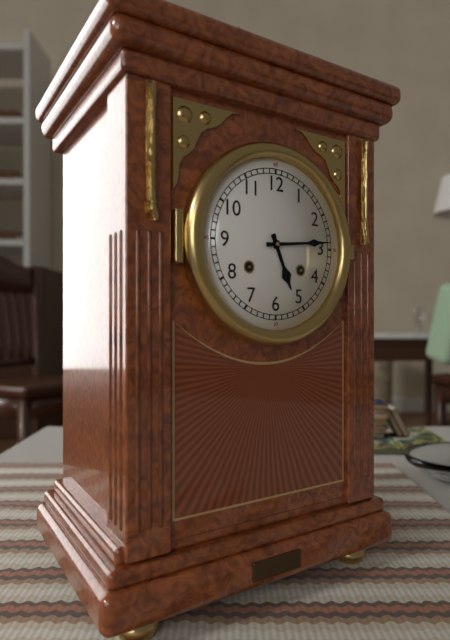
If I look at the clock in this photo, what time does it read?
5:14
